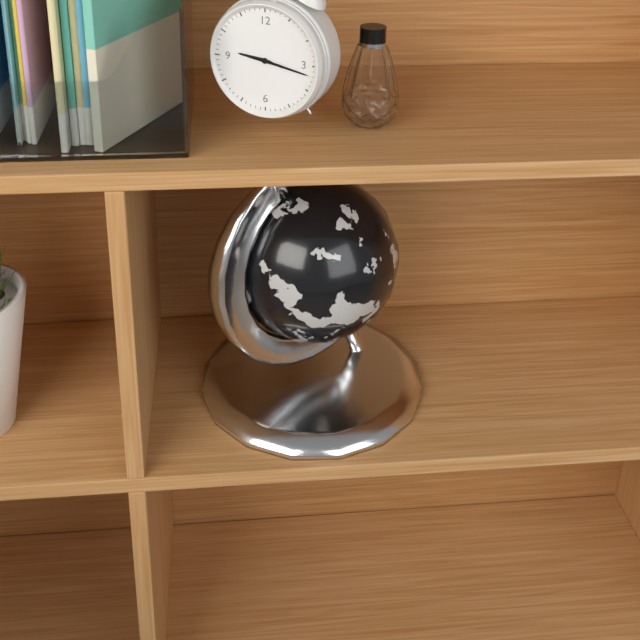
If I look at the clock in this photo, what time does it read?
9:17
